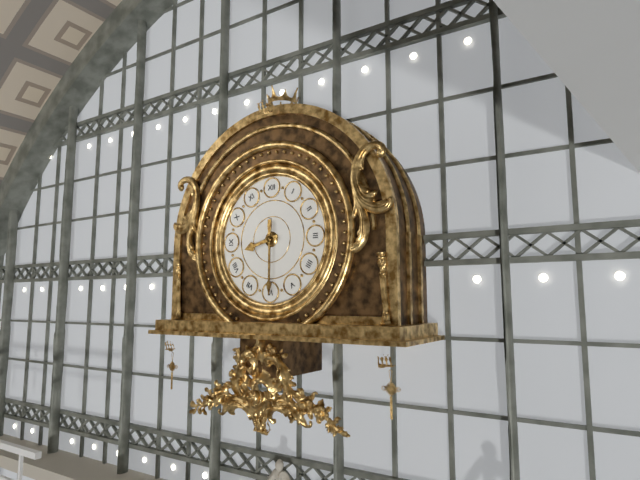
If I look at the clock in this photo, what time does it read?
8:30
